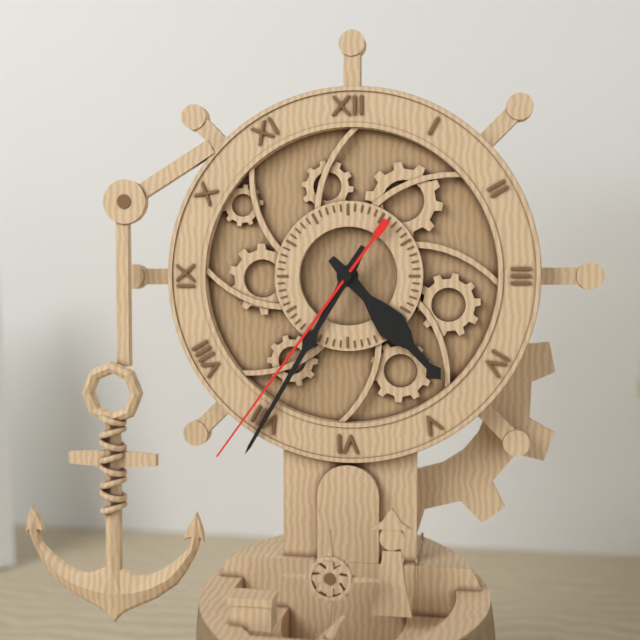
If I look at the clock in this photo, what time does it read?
4:35:36
